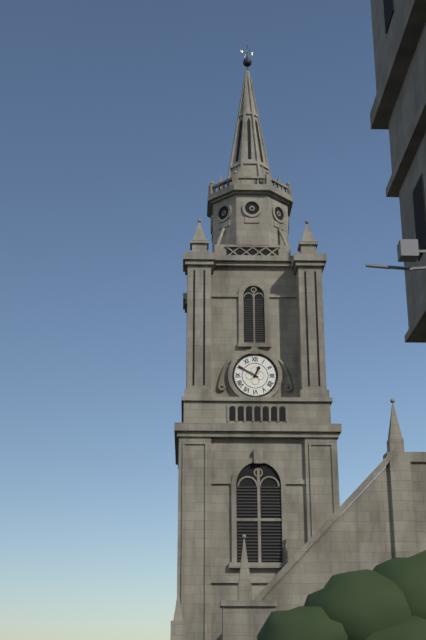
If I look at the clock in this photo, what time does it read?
12:50
